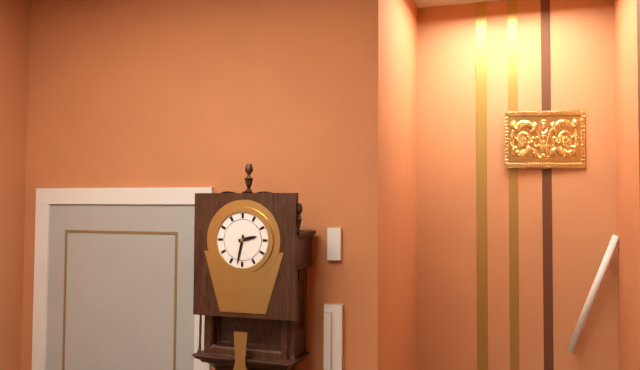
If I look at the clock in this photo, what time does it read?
2:32
